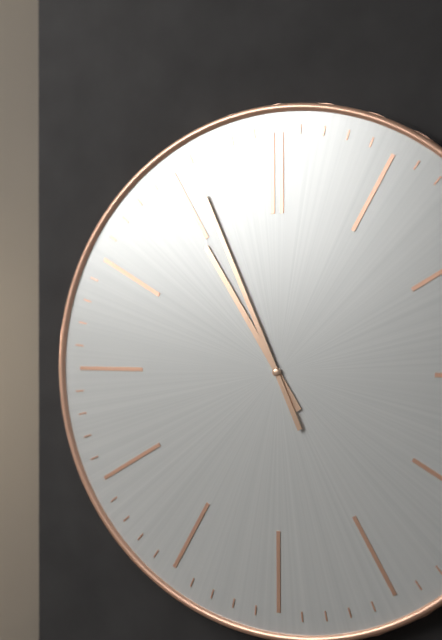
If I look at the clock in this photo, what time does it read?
10:56
